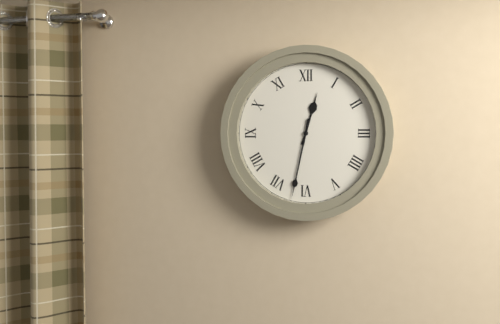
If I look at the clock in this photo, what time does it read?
12:32
